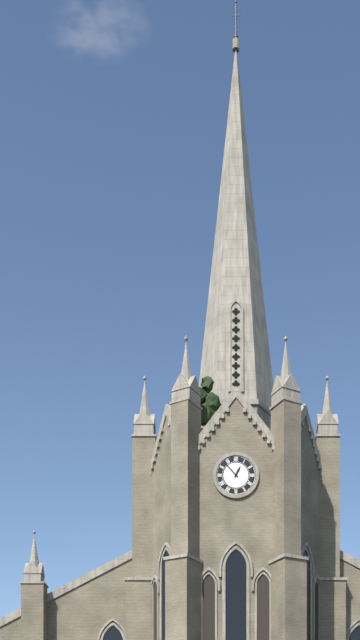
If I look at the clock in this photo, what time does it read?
12:53
